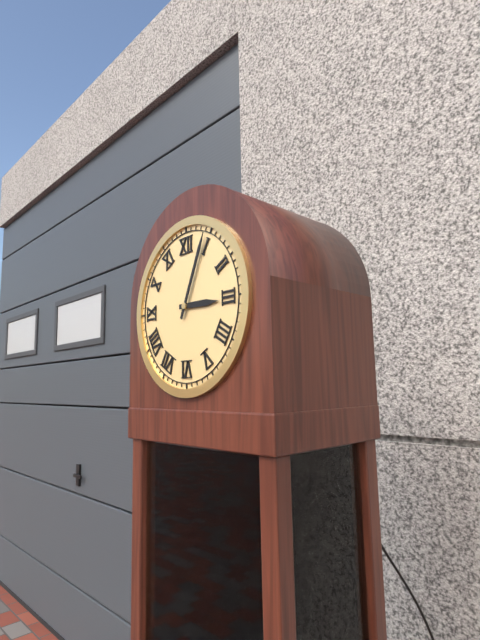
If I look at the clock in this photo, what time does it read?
3:04
